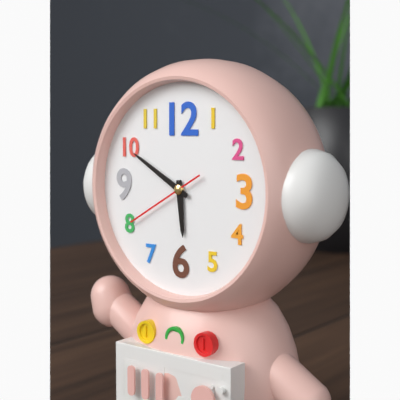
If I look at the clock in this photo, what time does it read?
5:50:40
